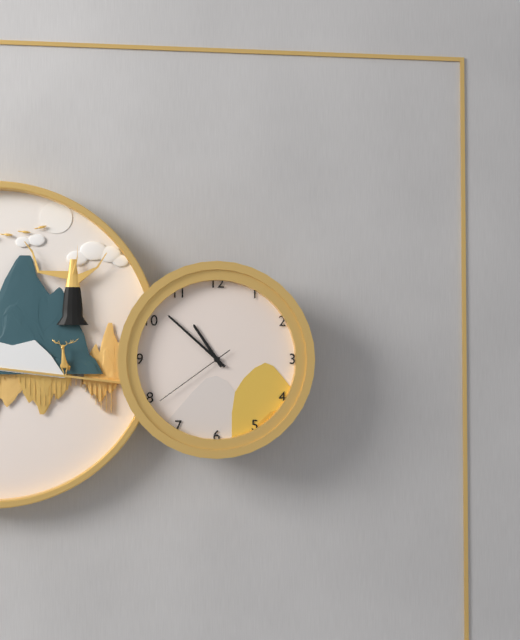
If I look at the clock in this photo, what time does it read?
10:52:39
